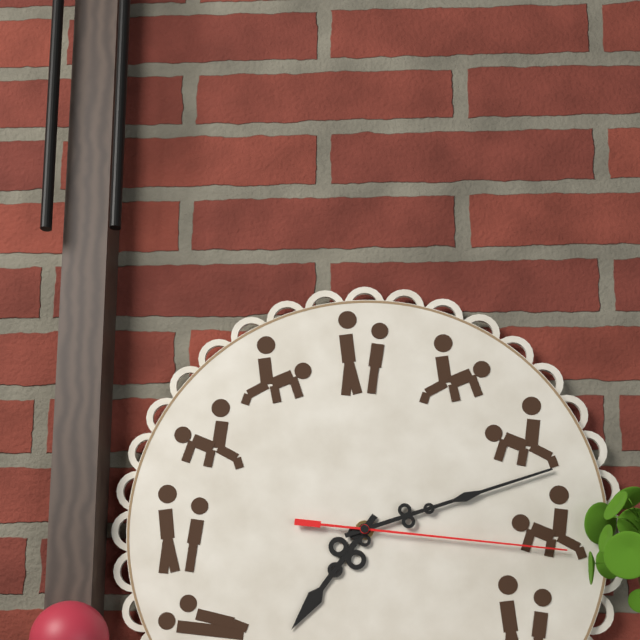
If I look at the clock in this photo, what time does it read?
7:12:16
